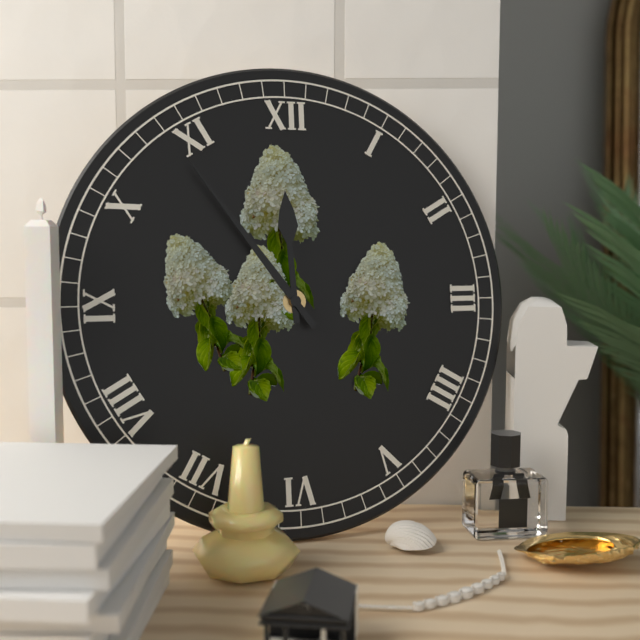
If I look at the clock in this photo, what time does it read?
11:54
